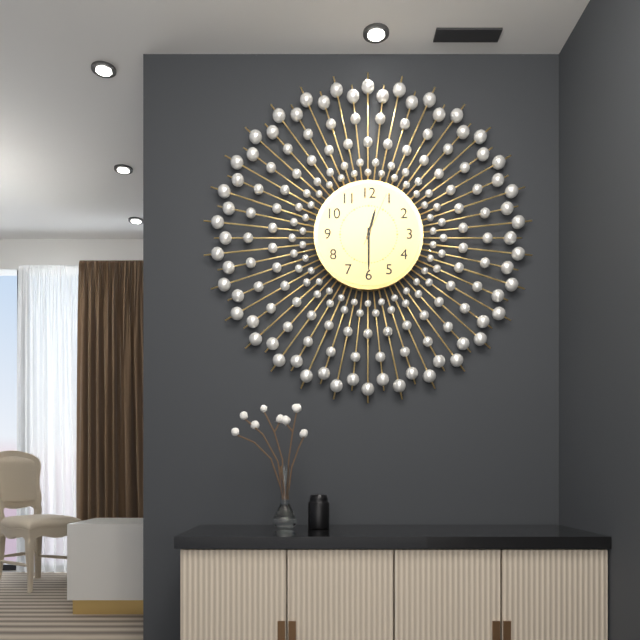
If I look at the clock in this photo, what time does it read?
12:30:04
